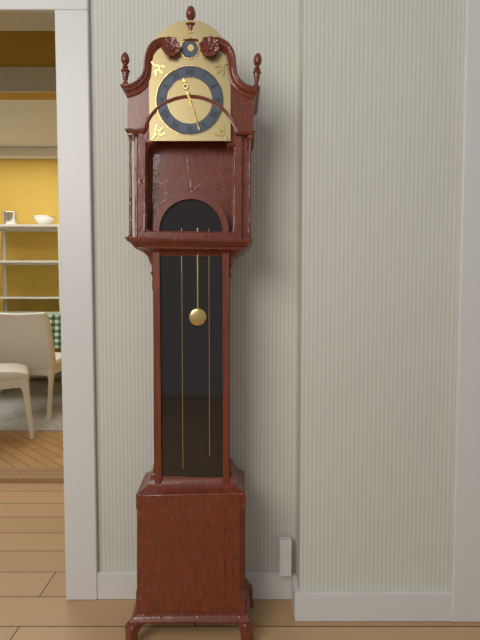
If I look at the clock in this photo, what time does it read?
11:27
